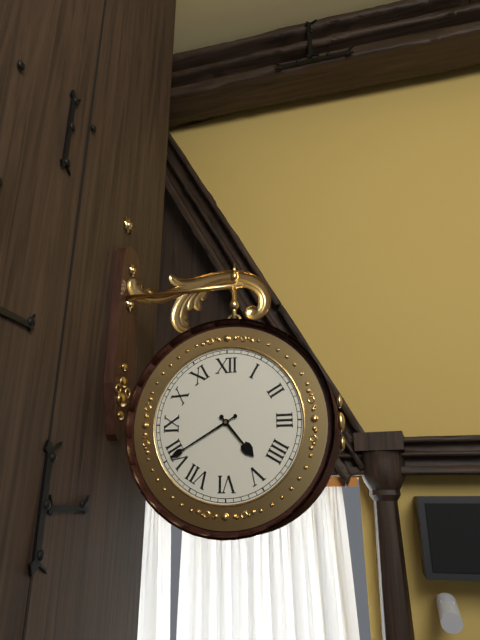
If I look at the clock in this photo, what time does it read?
4:40
